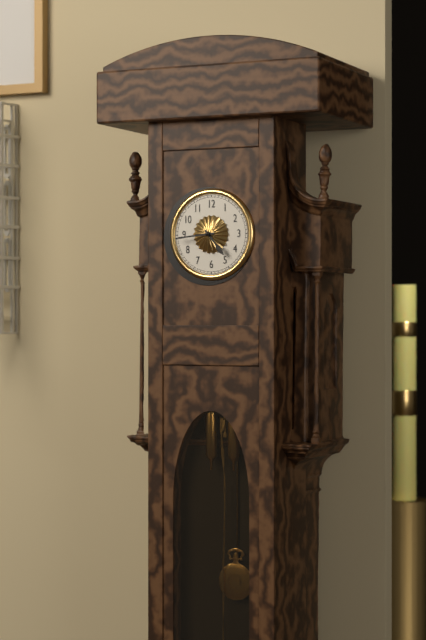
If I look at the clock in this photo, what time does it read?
4:44
